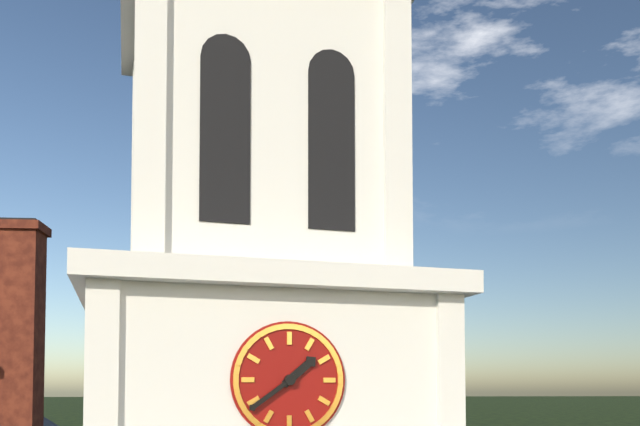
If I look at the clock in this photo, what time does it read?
1:39
